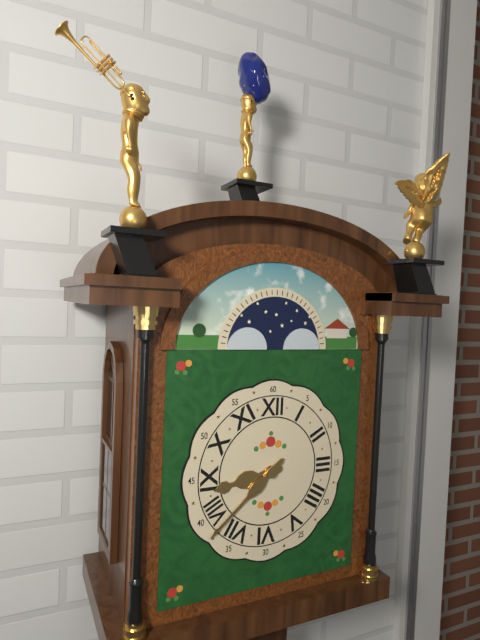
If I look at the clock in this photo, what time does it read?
8:38
